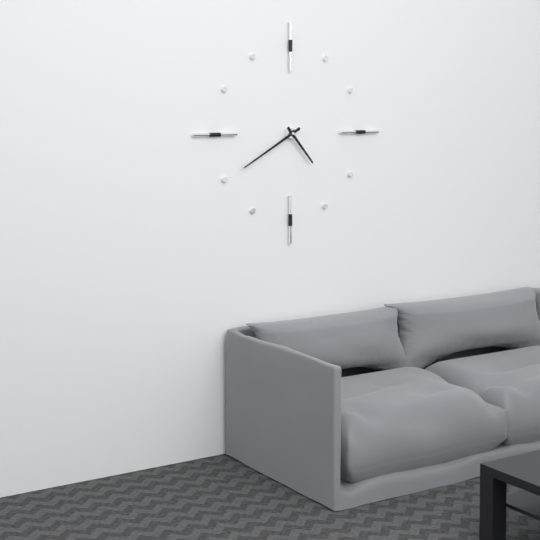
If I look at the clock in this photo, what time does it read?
4:40
